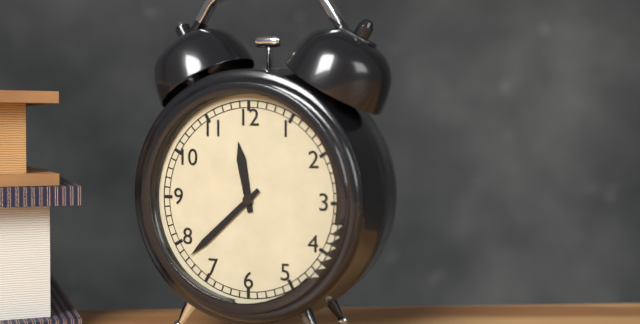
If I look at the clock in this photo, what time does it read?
11:38
